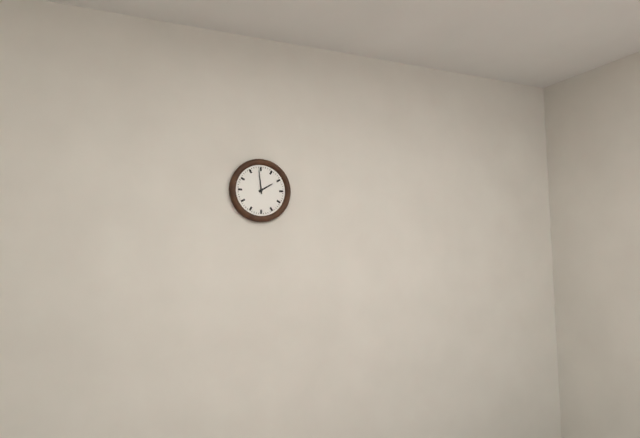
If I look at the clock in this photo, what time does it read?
1:59
